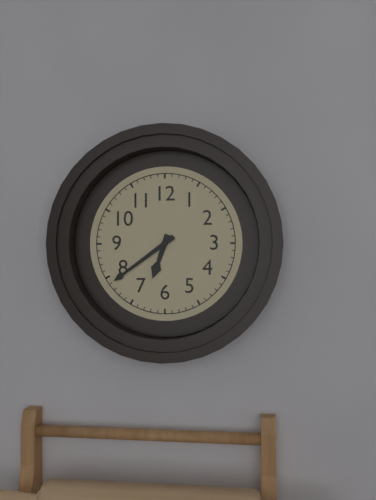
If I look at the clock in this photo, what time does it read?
6:39
